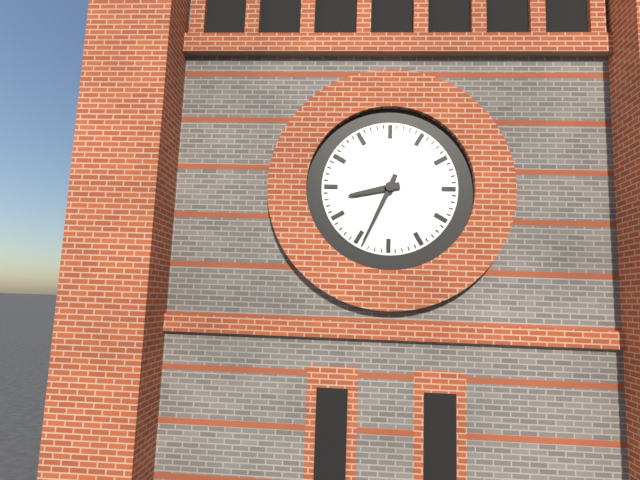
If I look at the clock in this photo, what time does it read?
8:34
